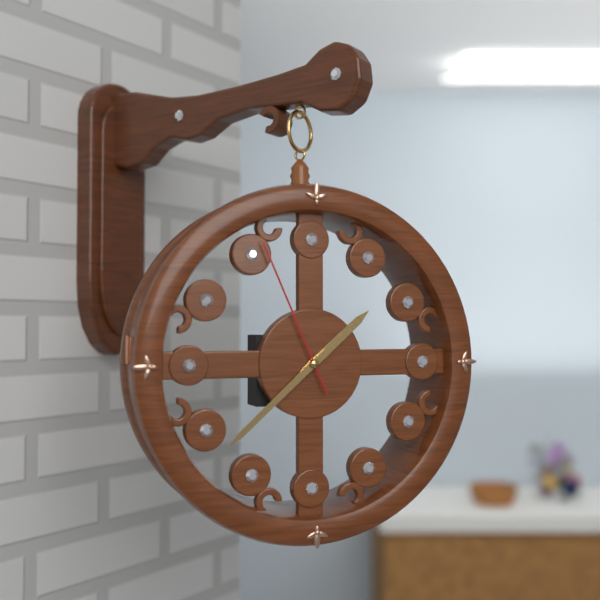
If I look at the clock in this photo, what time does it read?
1:38:56
